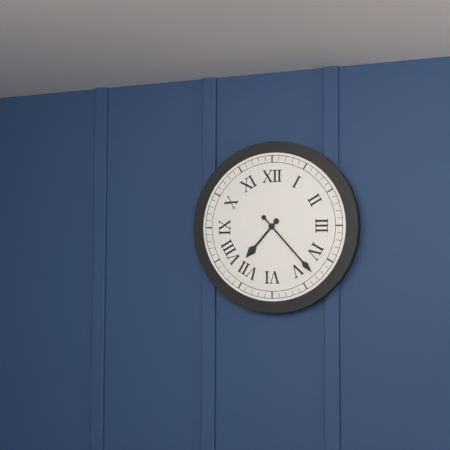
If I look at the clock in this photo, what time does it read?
7:23
